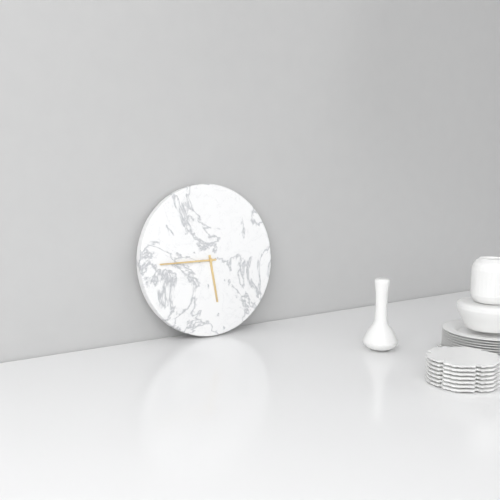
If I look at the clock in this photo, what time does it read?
5:45
